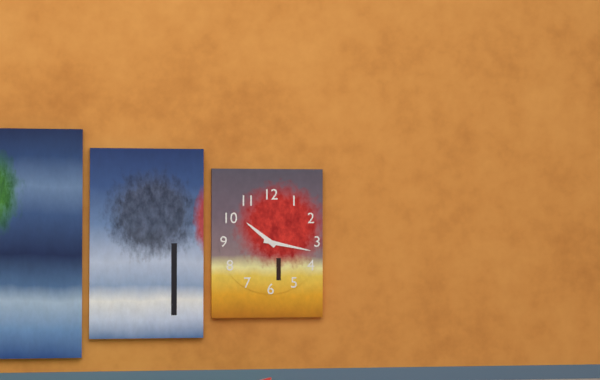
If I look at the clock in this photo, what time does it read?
10:17
